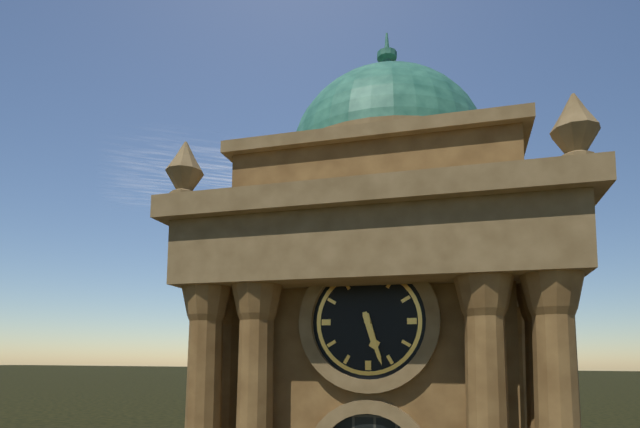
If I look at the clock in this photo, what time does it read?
5:27
